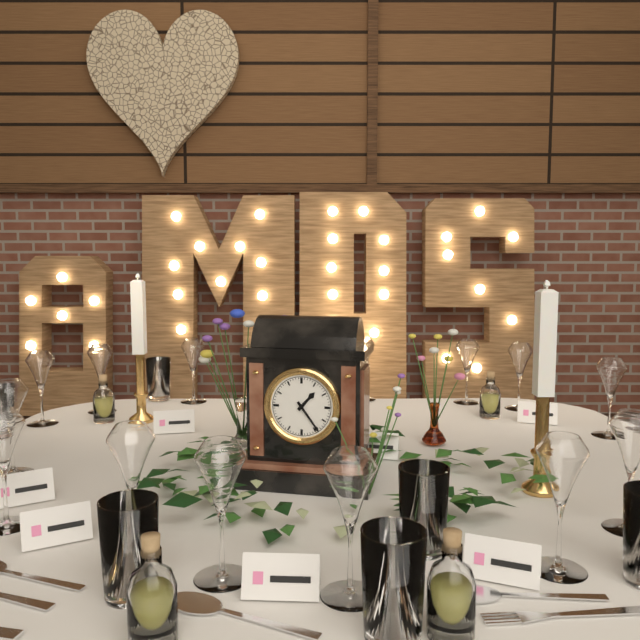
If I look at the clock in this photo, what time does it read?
1:24
